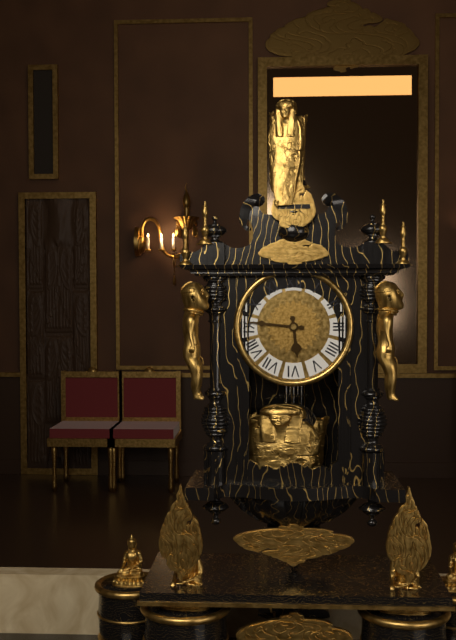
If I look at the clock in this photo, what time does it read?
5:46
